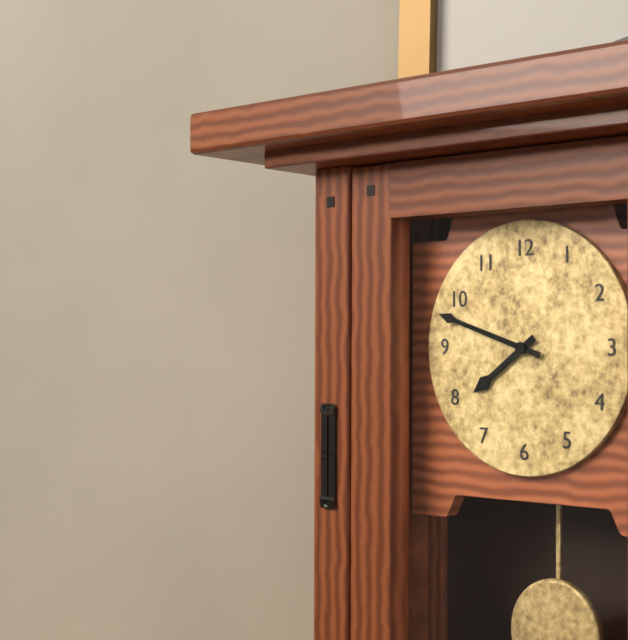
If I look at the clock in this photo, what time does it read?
7:48
